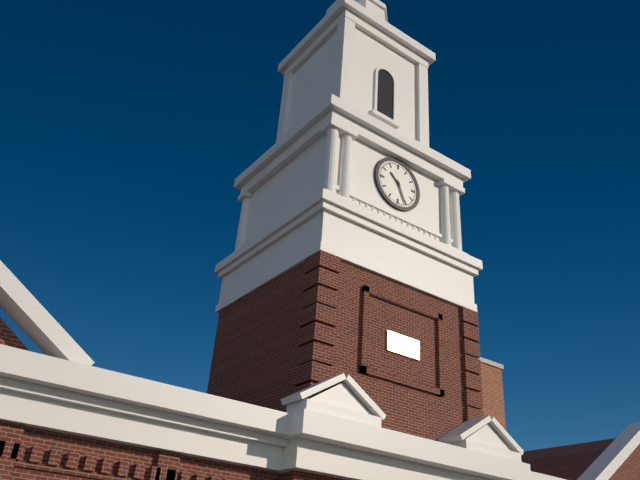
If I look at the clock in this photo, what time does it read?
10:26
